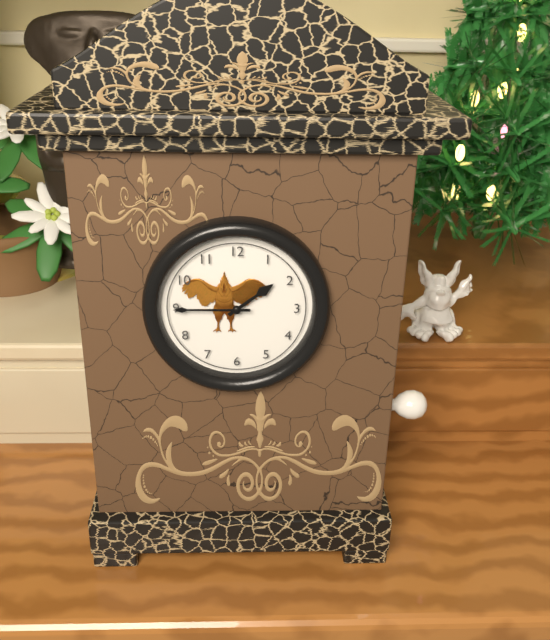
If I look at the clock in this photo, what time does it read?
1:45
